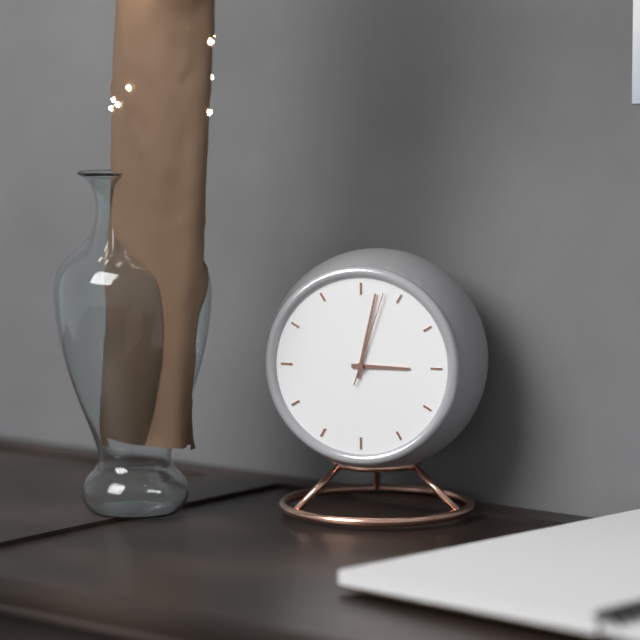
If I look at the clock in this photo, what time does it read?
3:02:03
